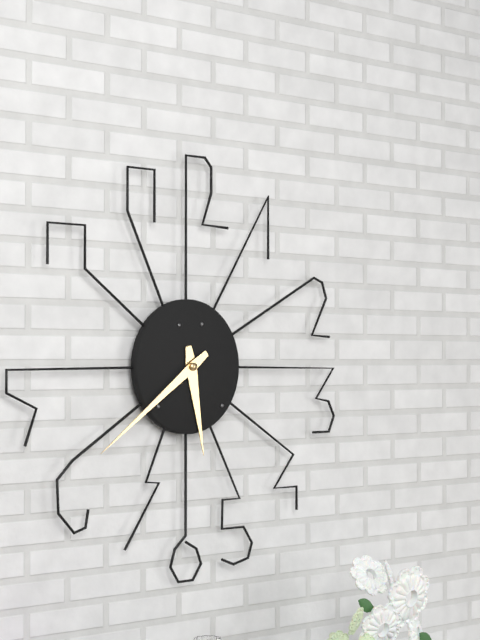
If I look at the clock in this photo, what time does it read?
5:39
